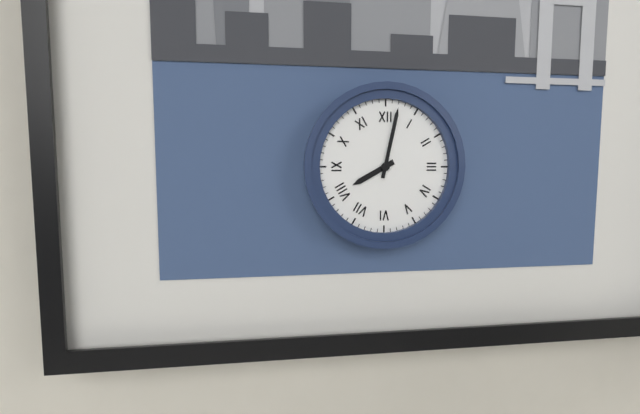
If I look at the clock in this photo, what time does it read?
8:02
